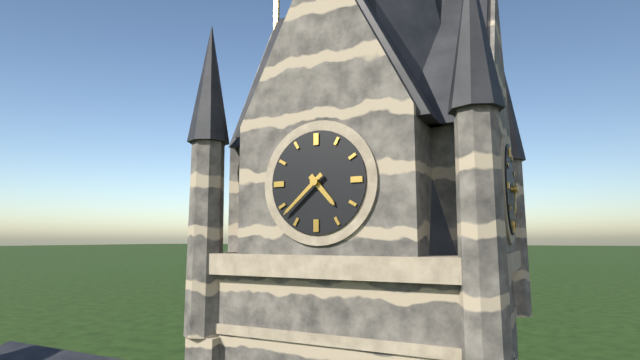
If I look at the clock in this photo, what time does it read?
4:38
